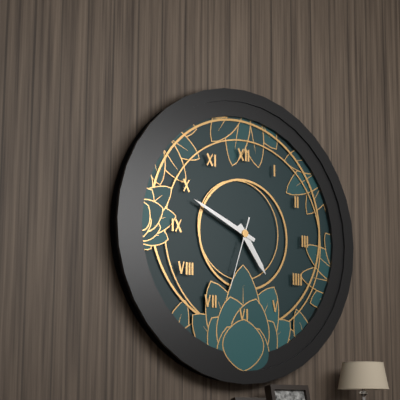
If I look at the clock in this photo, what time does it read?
4:49:33
